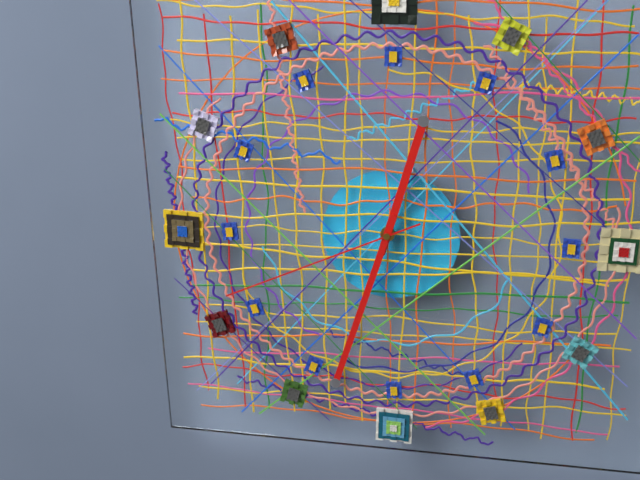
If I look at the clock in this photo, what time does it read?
12:33:41
